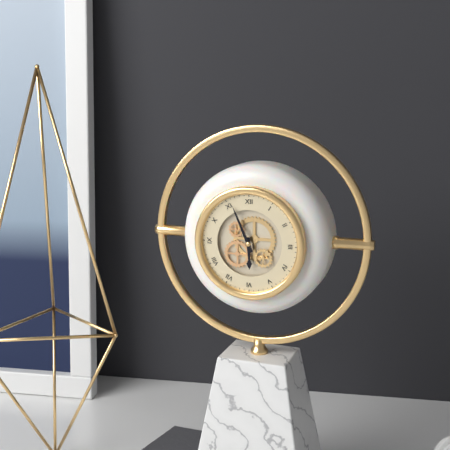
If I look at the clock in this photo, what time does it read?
5:56
